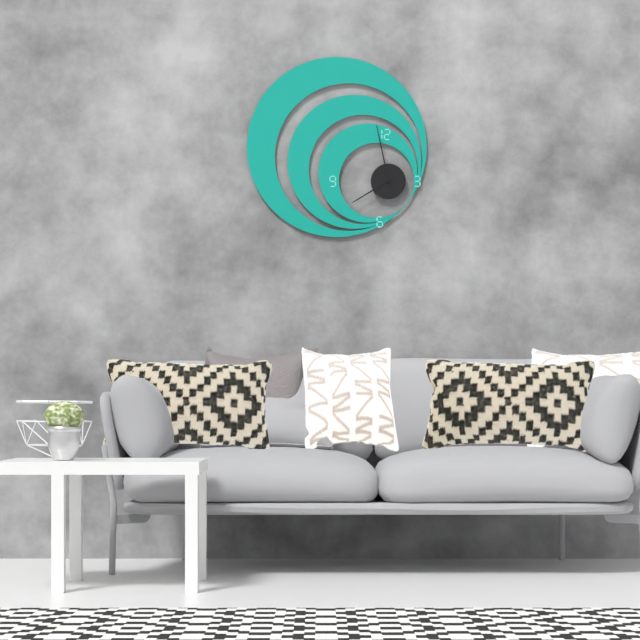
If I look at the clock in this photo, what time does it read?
7:58
